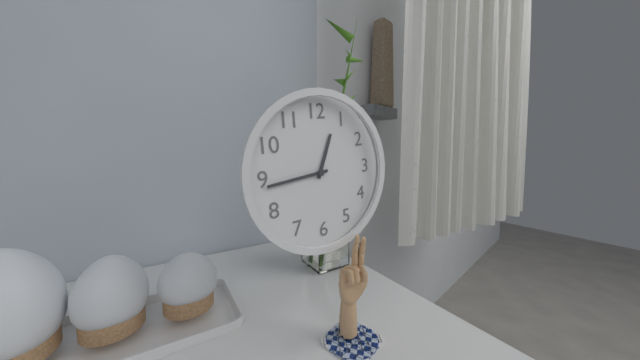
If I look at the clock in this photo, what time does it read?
12:44
